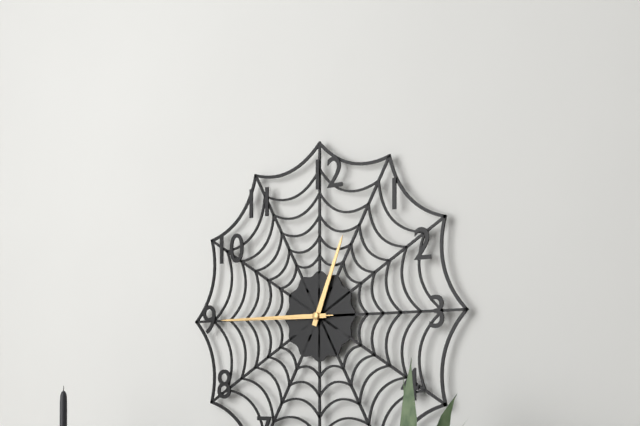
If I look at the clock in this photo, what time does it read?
12:45:45
